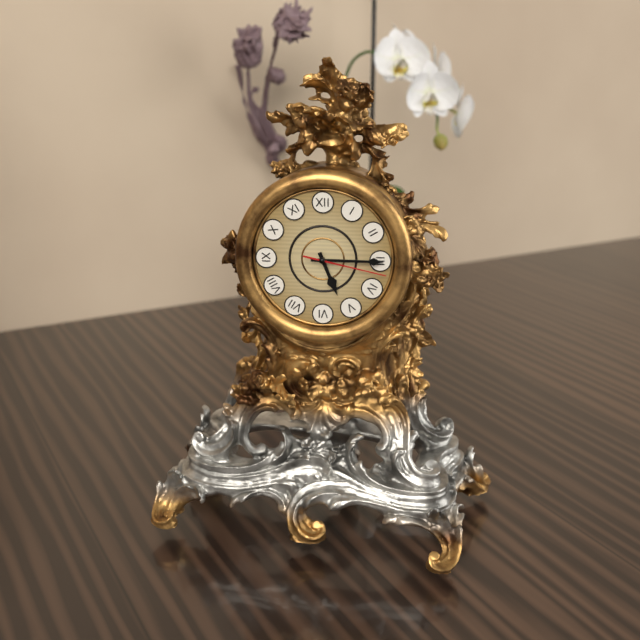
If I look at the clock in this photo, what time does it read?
5:15:17
